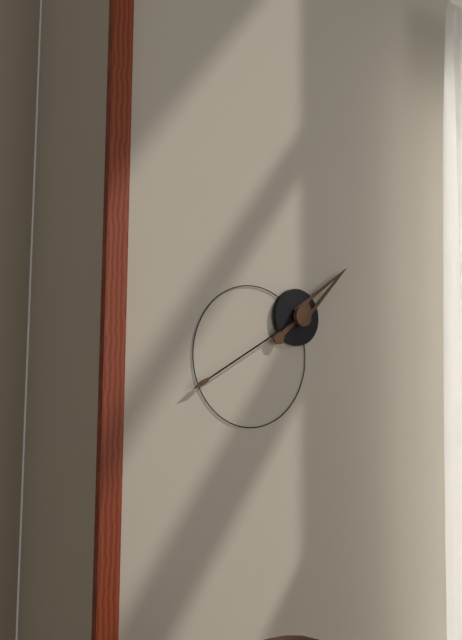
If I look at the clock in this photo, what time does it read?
1:40
